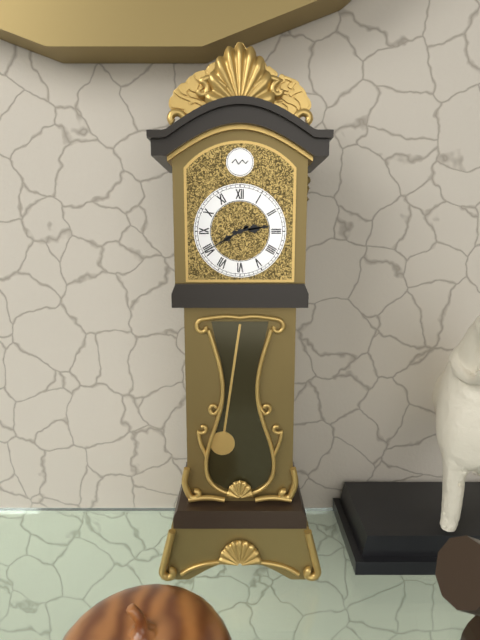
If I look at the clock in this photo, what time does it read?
2:40
